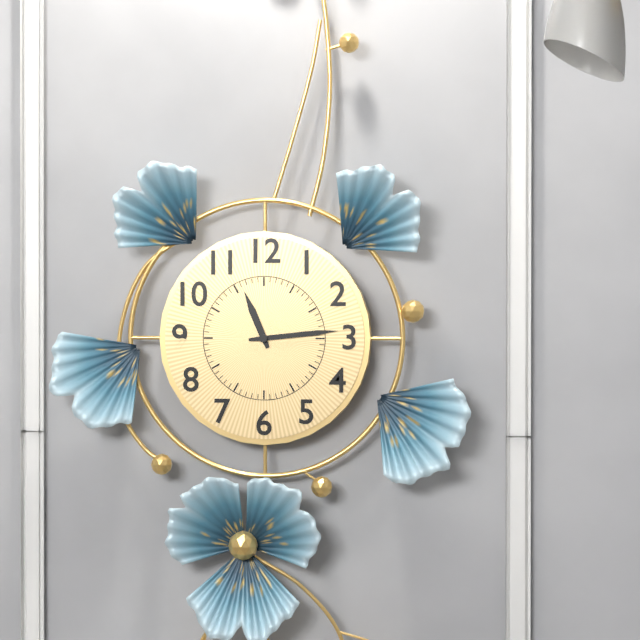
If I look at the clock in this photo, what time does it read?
11:14
